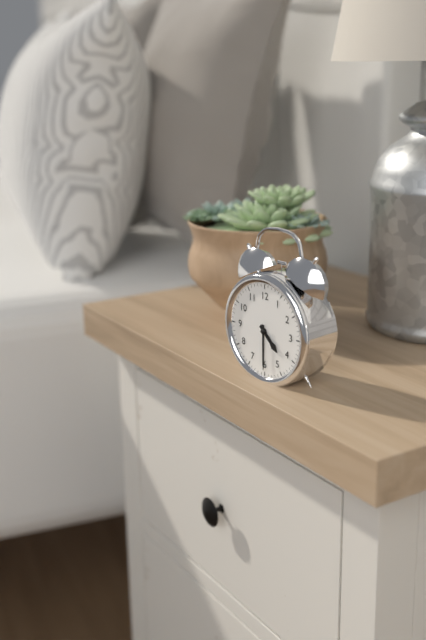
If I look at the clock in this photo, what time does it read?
4:30
